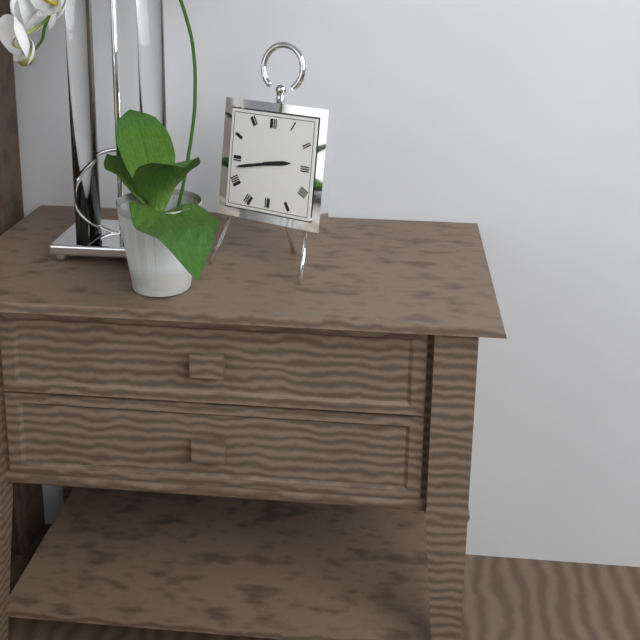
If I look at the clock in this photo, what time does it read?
2:43
